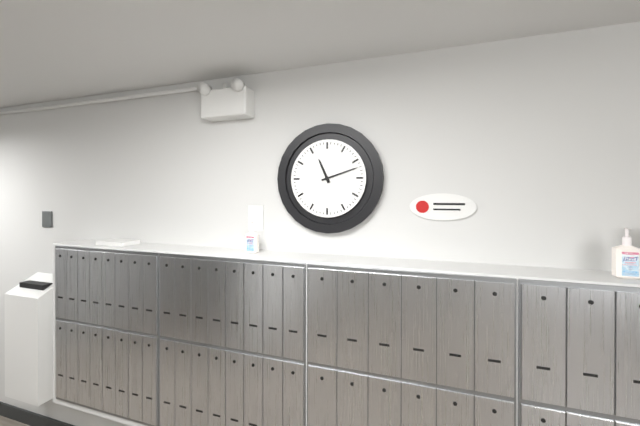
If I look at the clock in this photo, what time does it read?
11:12
